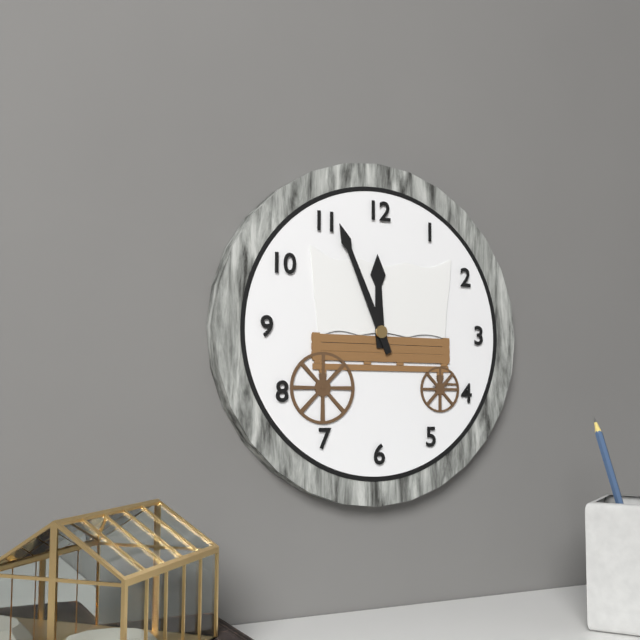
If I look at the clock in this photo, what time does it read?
11:56
